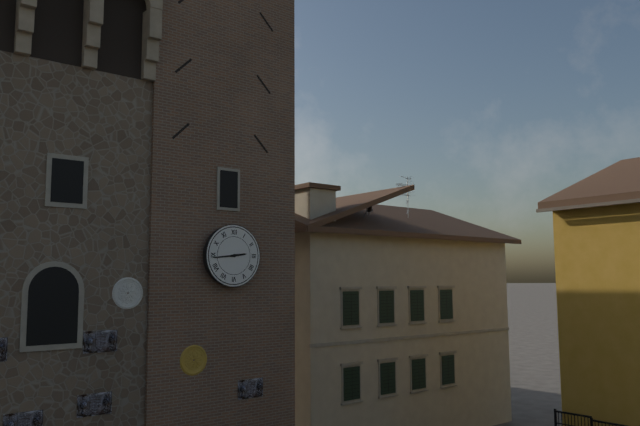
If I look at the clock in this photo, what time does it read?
2:44
